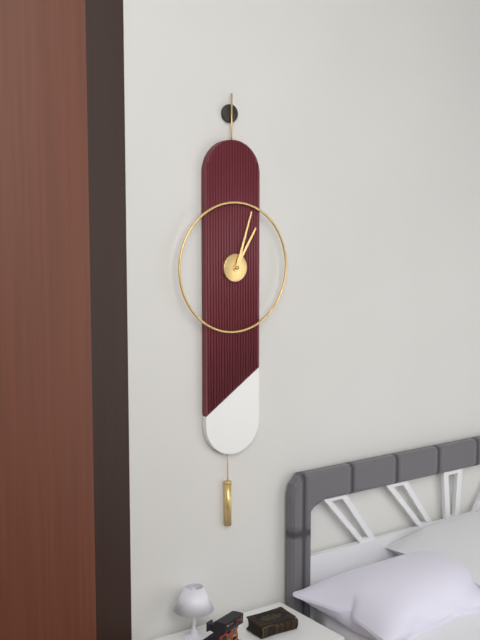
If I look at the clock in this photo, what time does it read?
1:03
